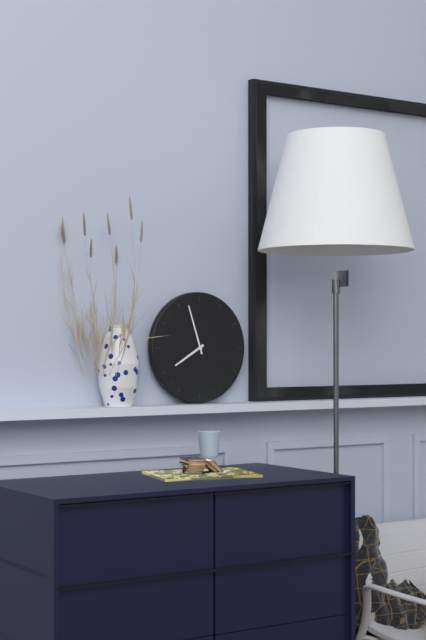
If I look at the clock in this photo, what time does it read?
7:57
